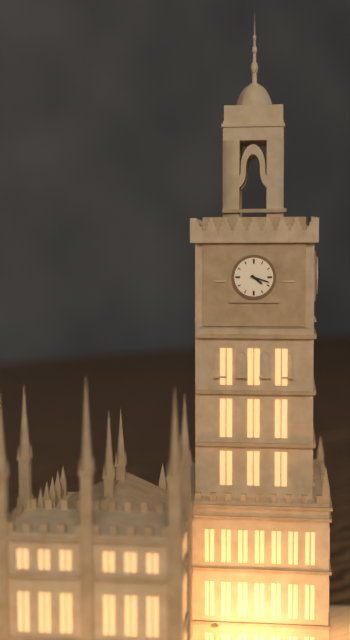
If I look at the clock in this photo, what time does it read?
4:18
